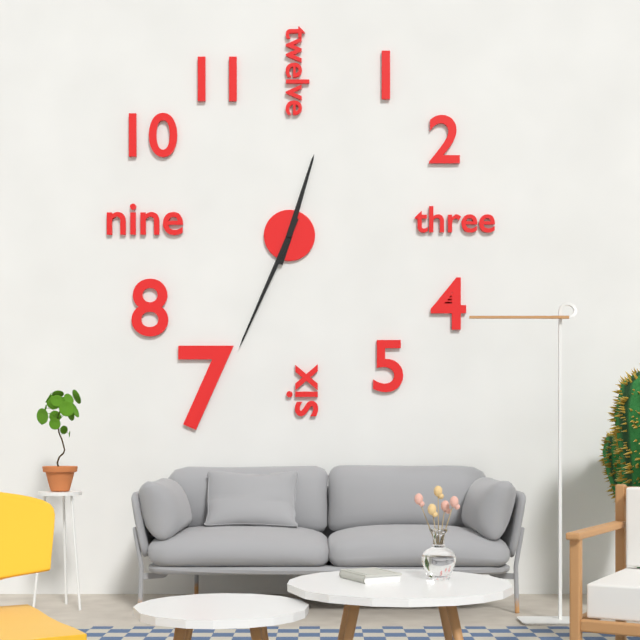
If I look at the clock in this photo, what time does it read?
12:34
